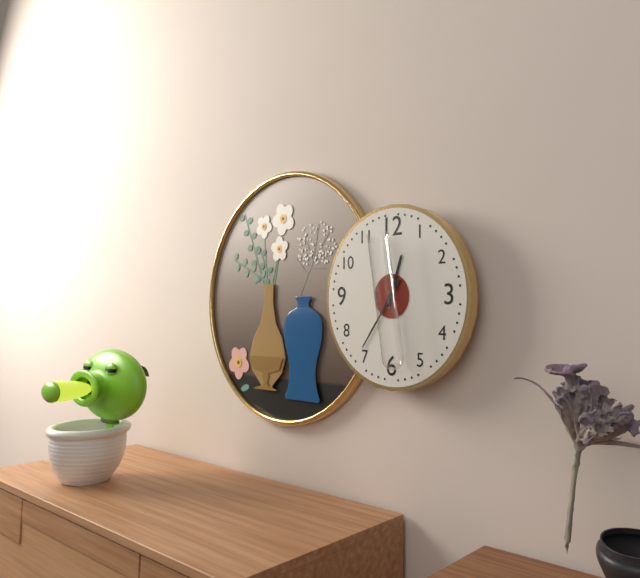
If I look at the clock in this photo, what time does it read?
12:36
